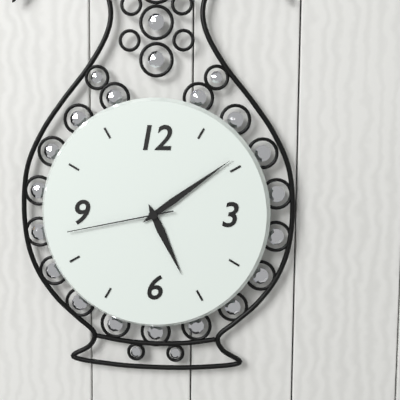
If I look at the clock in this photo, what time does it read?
5:09:43
